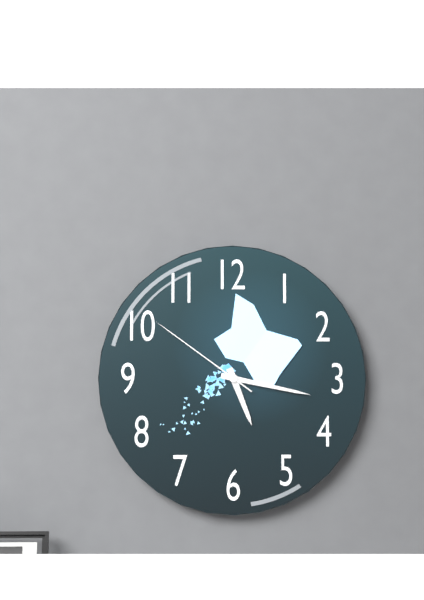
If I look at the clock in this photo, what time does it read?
5:17:51
